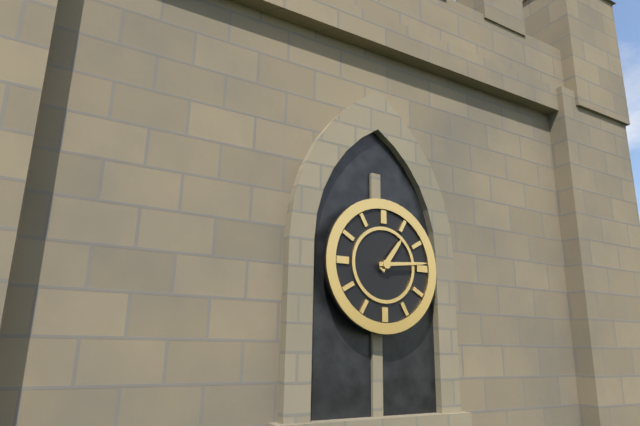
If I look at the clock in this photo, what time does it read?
1:14
